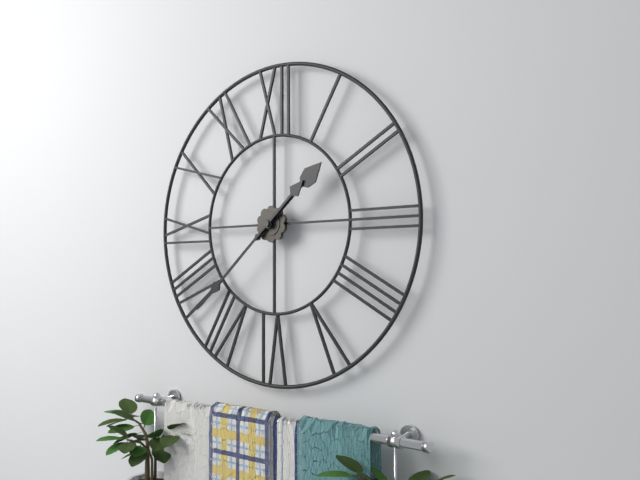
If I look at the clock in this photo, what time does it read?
1:38
